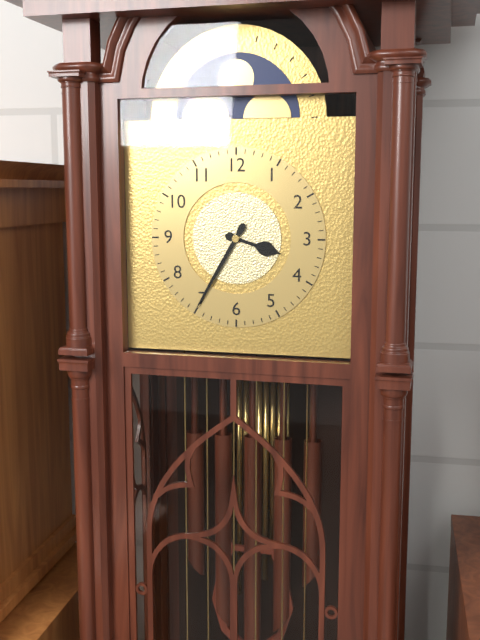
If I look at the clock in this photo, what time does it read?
3:35
